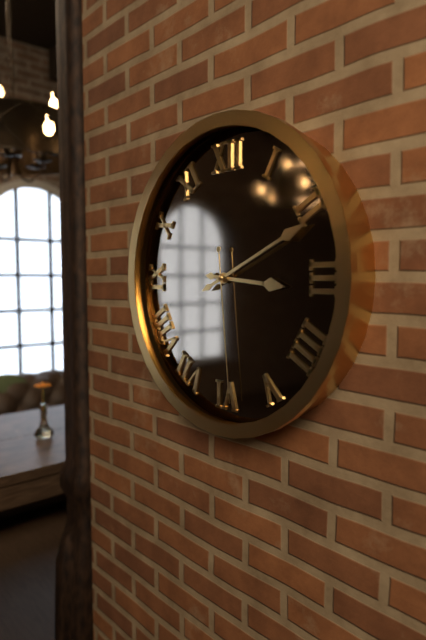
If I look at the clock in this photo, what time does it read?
3:11:29
